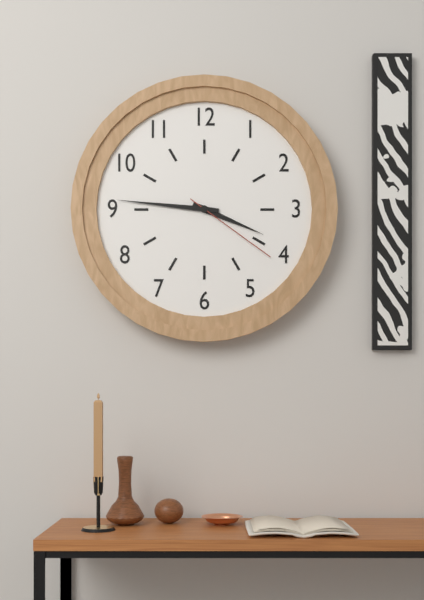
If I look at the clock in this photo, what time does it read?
3:46:21
